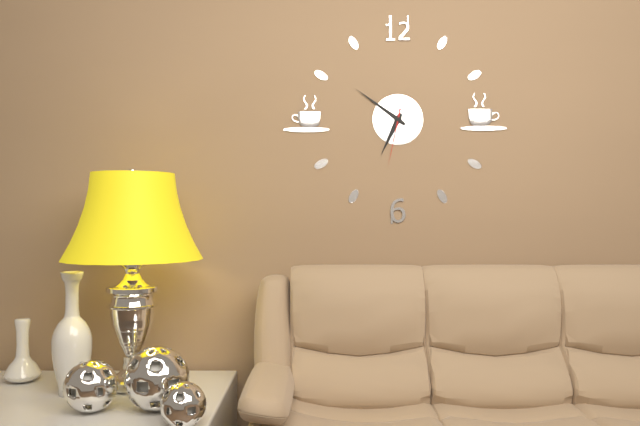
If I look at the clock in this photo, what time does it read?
6:51:32
